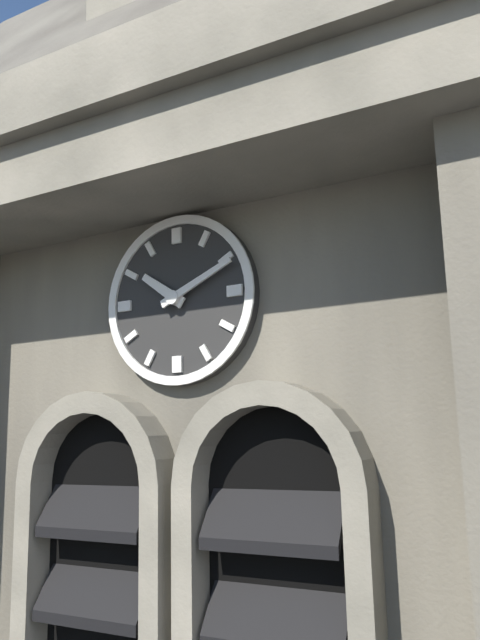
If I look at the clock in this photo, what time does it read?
10:11
